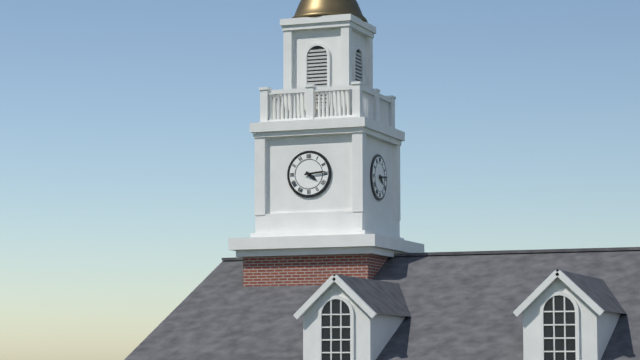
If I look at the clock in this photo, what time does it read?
4:14
